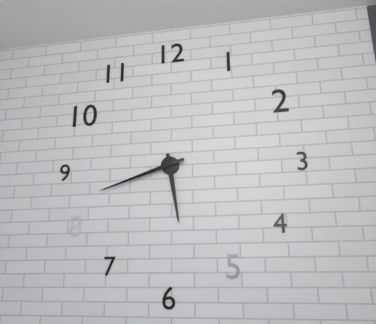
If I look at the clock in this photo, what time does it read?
5:42
